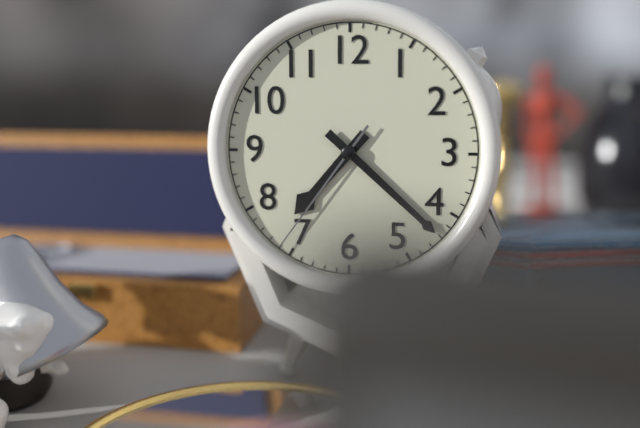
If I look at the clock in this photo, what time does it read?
7:22:36
